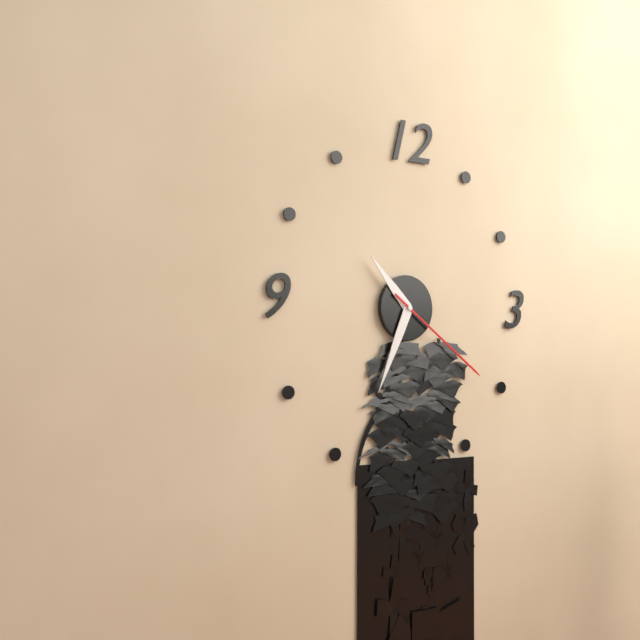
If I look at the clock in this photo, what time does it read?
10:34:21
